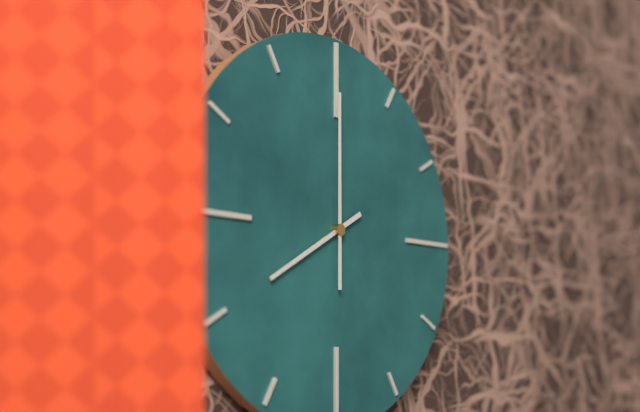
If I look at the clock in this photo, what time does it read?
8:00
